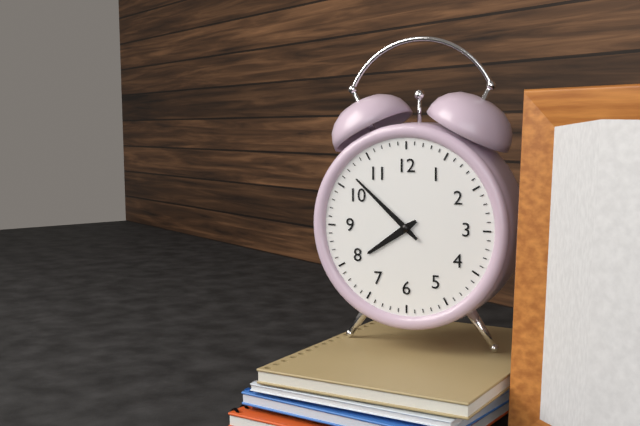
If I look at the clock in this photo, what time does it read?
7:52
